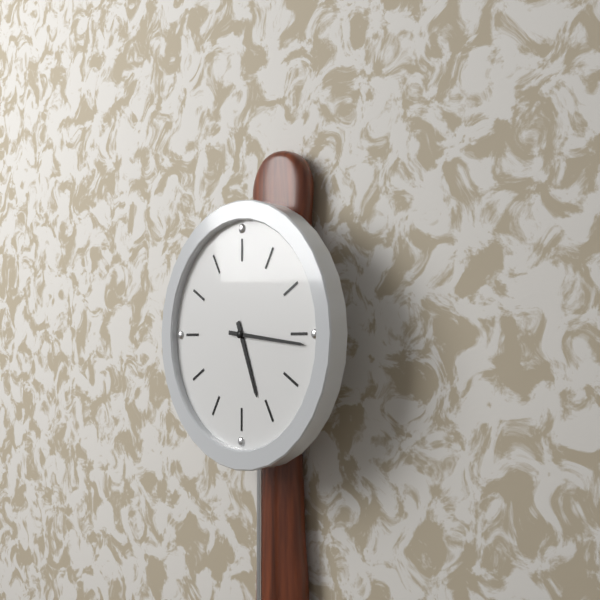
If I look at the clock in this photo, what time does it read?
5:16
